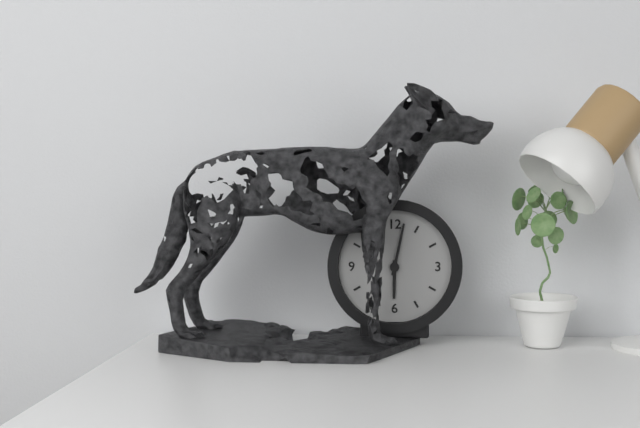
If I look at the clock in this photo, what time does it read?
6:02
